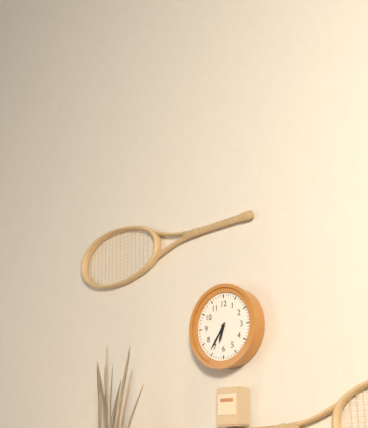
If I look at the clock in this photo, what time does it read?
6:36
